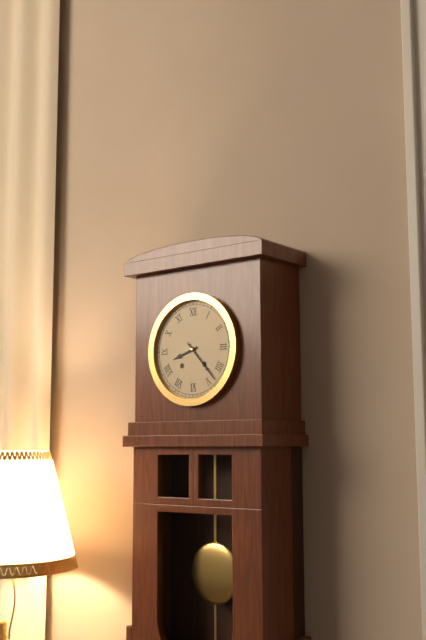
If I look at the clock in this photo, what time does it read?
8:23
